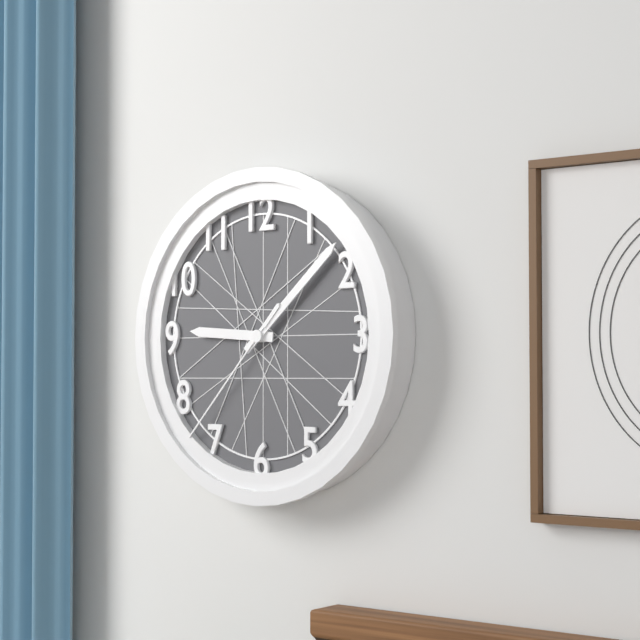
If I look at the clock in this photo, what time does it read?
9:08:37
